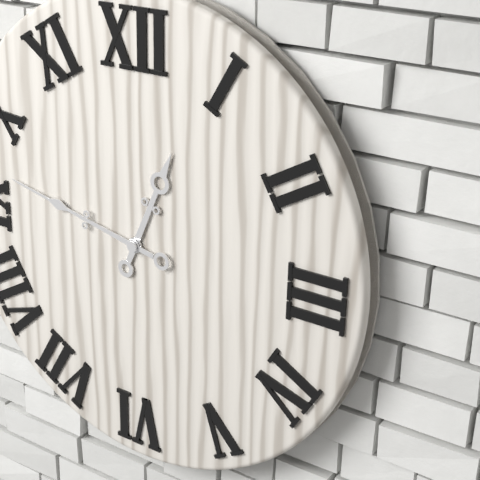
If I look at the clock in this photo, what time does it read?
12:47
